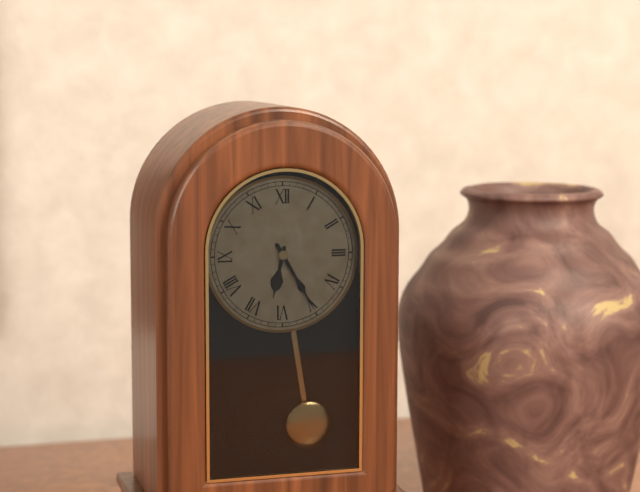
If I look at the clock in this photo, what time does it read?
6:25
